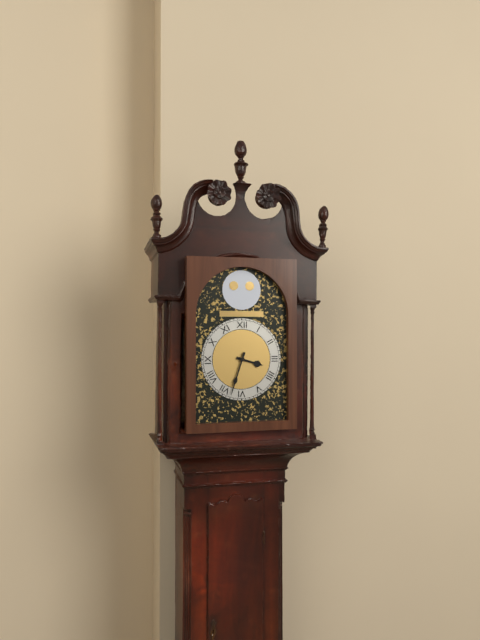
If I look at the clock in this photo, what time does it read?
3:33
